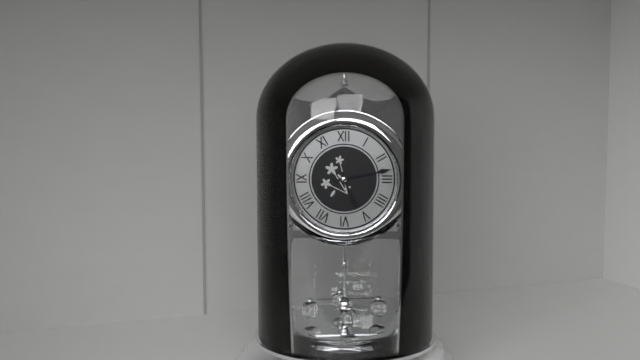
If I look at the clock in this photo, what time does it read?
5:13
